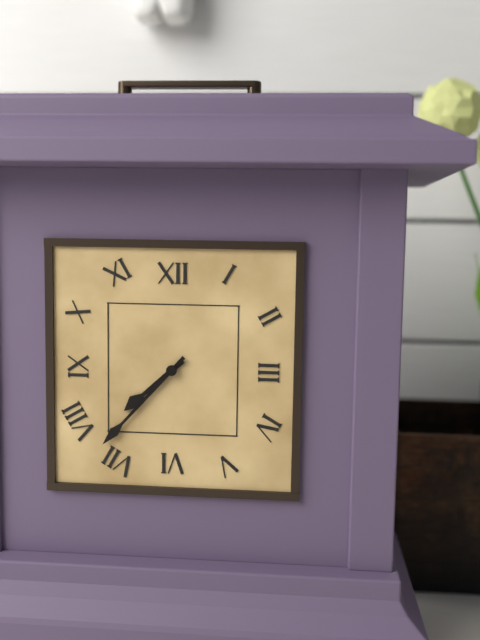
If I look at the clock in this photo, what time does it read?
7:37
